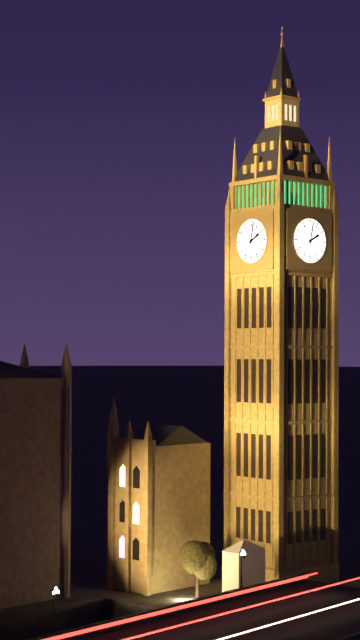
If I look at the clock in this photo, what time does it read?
2:02
